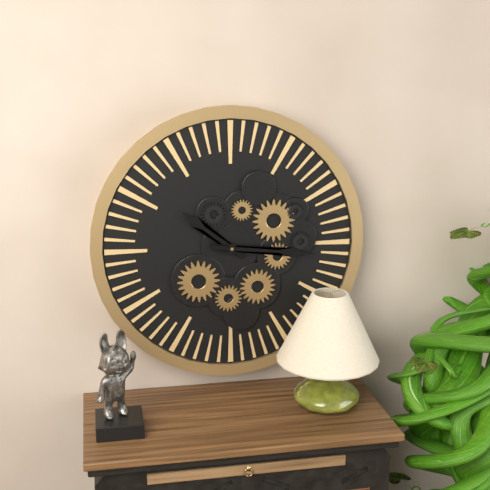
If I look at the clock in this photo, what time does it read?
10:16
